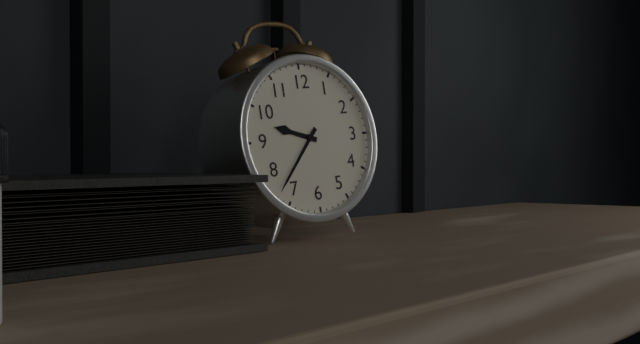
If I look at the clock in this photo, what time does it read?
9:37
